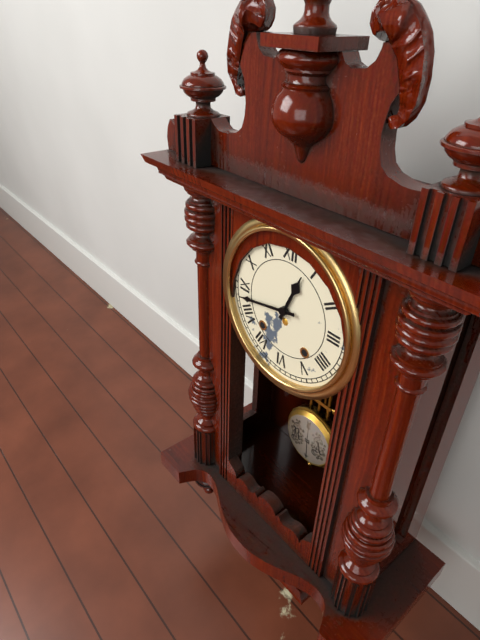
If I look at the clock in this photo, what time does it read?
12:43
